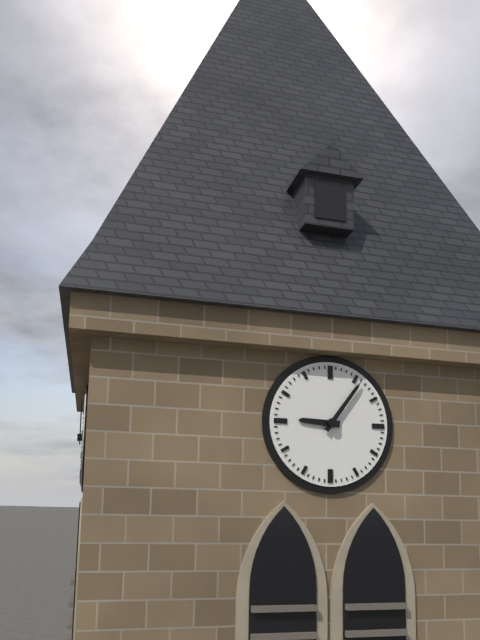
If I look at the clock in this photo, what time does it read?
9:06
